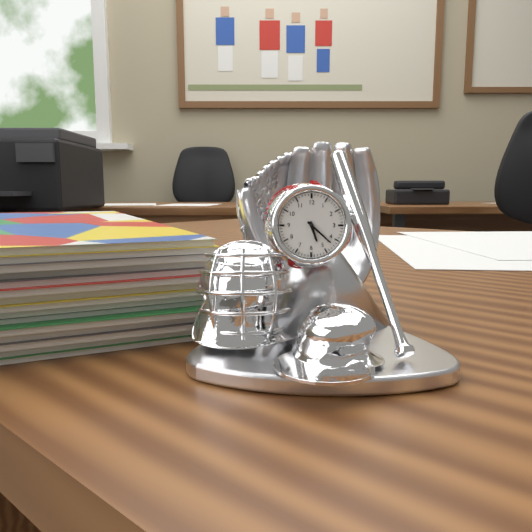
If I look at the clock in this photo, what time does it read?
5:22
